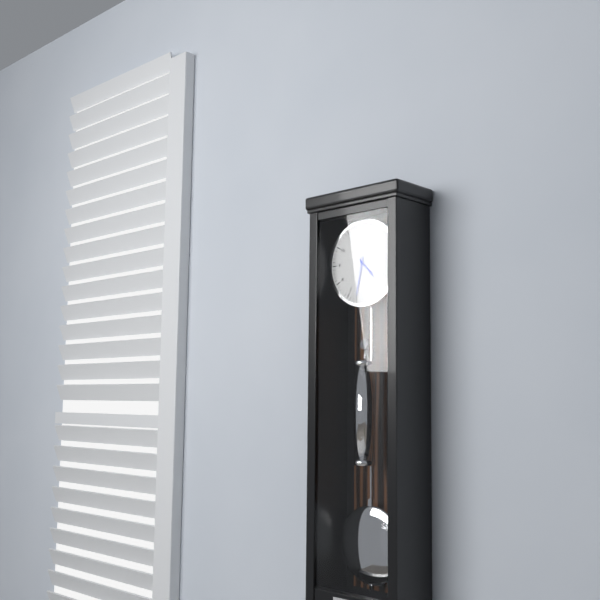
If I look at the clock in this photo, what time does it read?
4:32
